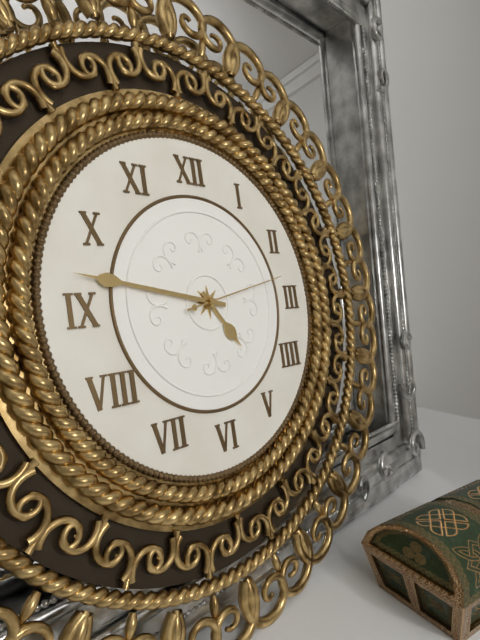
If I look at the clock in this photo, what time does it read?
4:47:13
